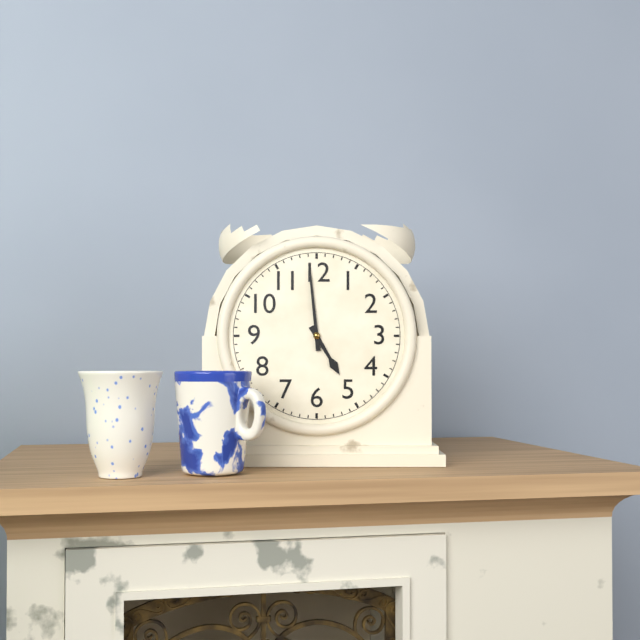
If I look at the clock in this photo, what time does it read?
4:59
